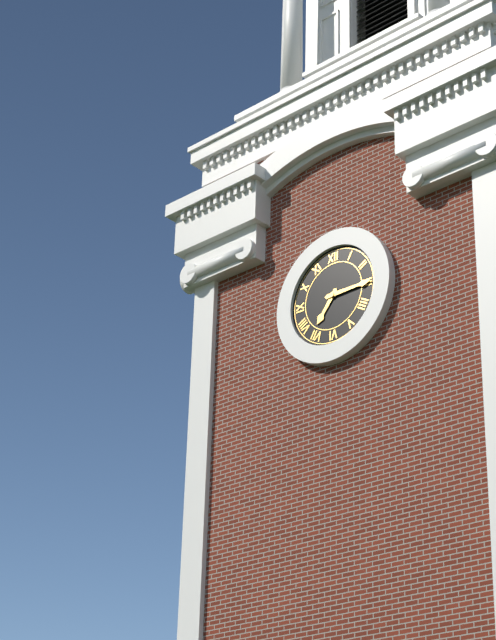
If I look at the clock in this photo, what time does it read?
7:15
